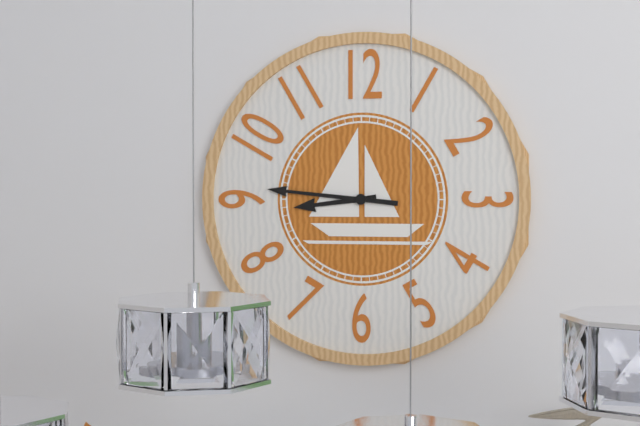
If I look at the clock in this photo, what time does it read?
8:46
